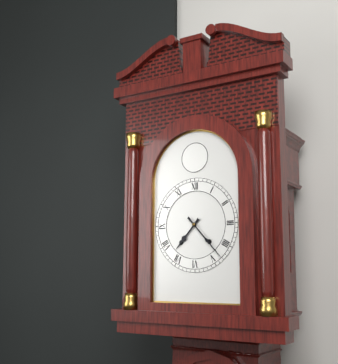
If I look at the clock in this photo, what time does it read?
7:23
